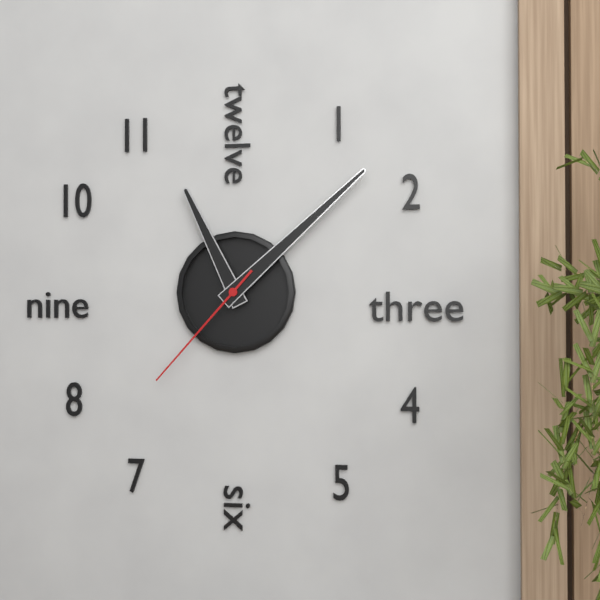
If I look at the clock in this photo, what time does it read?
11:08:37
